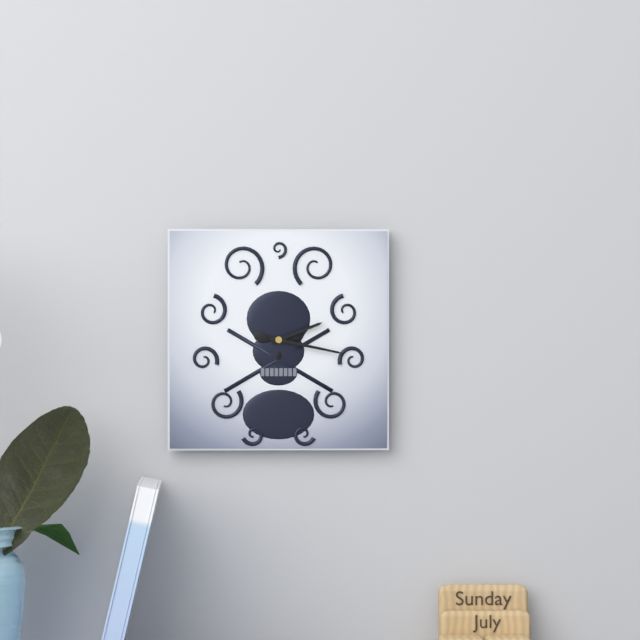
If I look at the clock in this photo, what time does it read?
2:17
